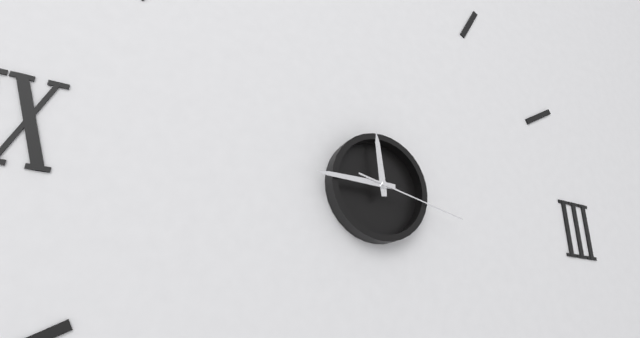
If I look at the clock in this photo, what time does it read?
11:45:17
